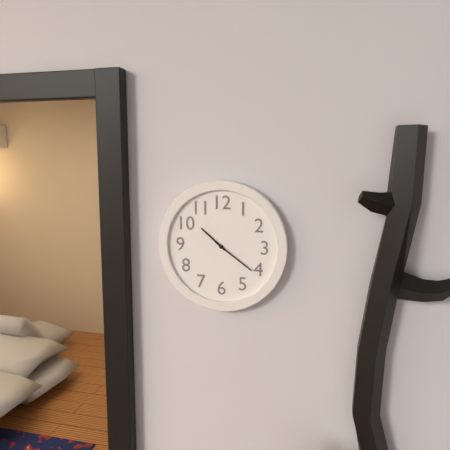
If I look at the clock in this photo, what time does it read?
10:21
